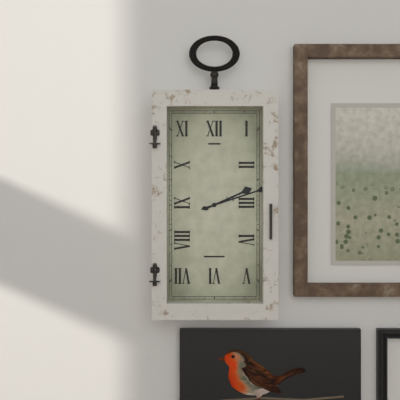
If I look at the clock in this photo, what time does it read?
2:12
